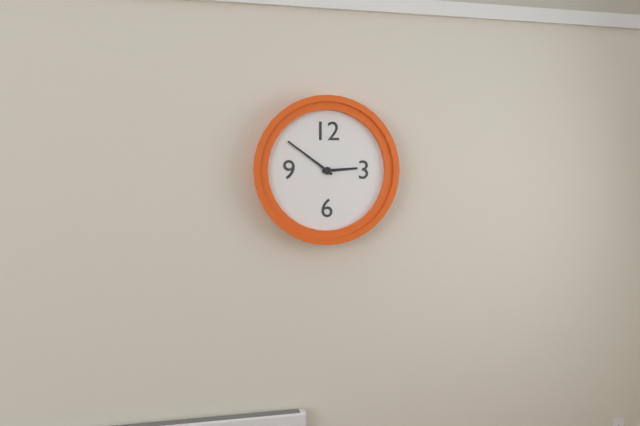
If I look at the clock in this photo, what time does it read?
2:51
